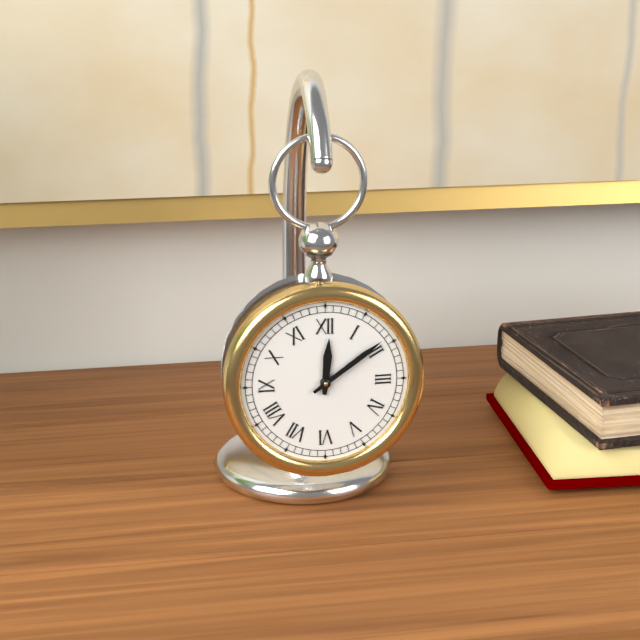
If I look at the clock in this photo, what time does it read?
12:09
